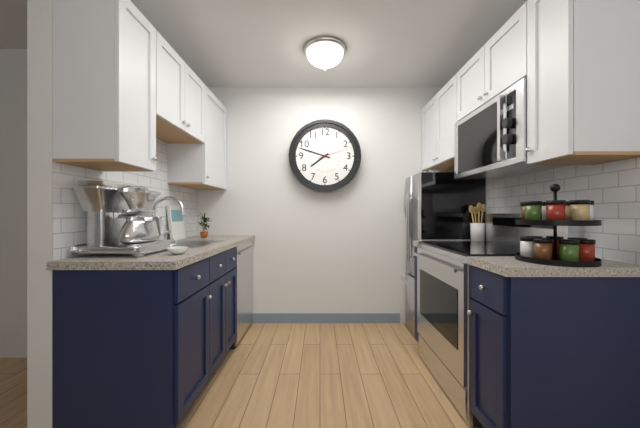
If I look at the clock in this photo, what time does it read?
7:48
